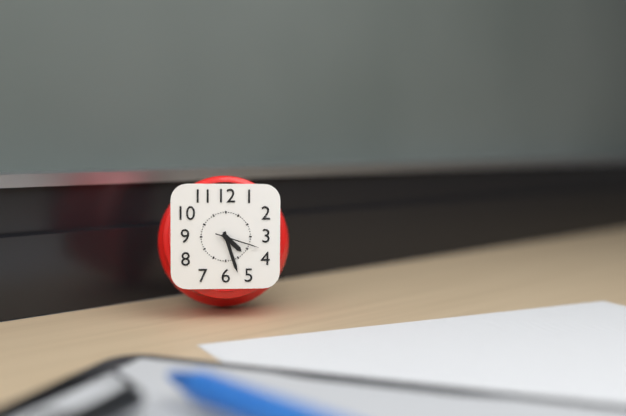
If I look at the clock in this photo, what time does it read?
4:27
